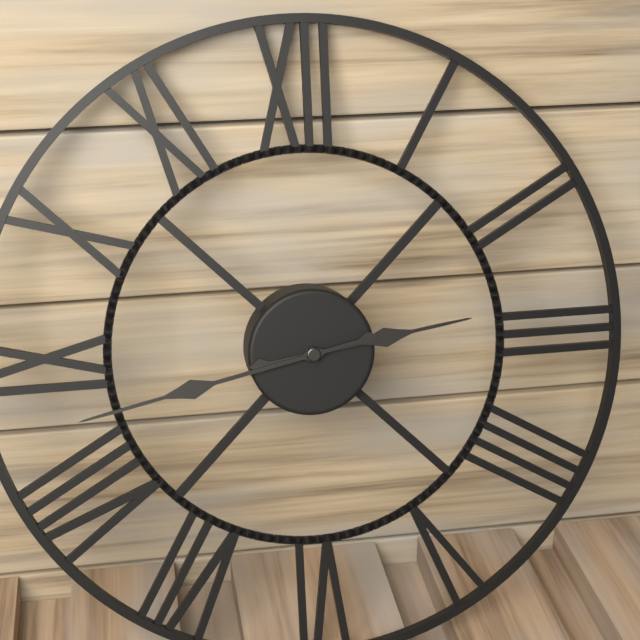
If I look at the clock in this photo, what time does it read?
2:43
